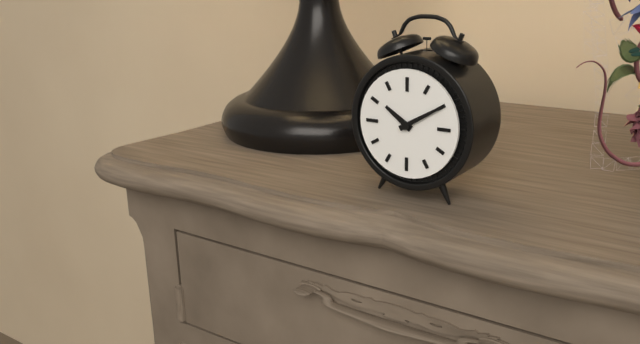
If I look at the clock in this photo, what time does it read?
10:10
